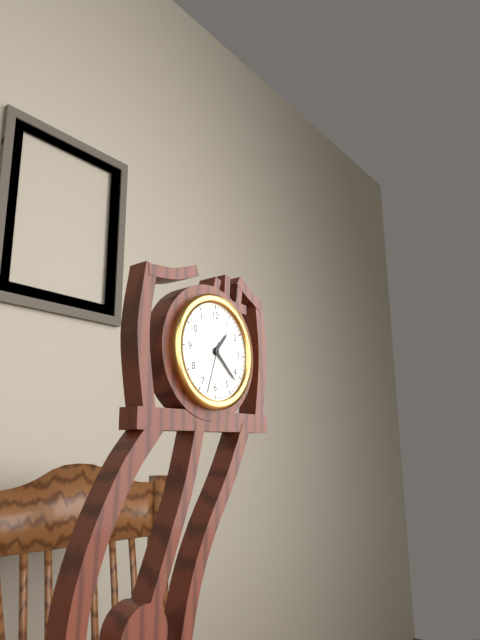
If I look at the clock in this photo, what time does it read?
1:22:33
